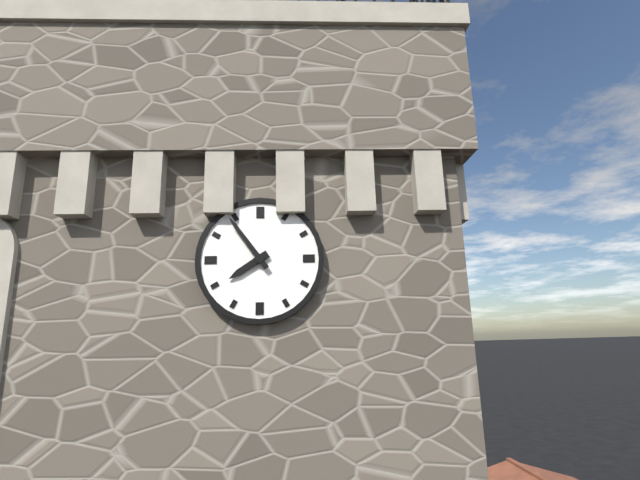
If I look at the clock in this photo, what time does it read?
7:54
